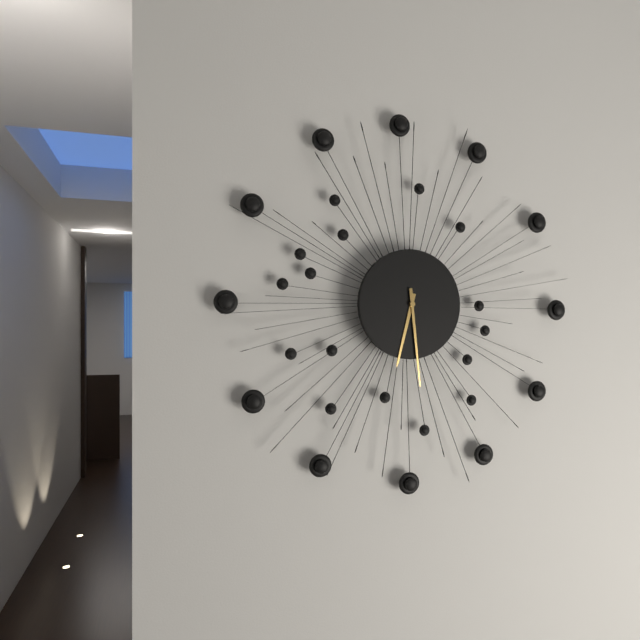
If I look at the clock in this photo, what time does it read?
6:29
